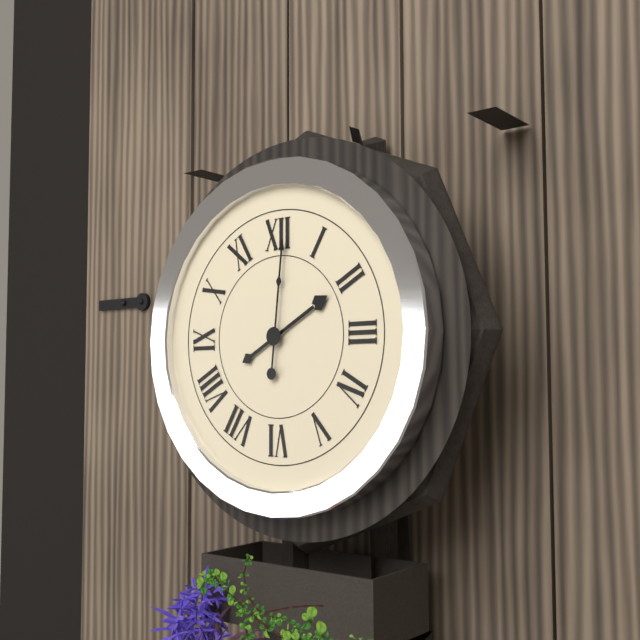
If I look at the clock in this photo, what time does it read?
2:01
